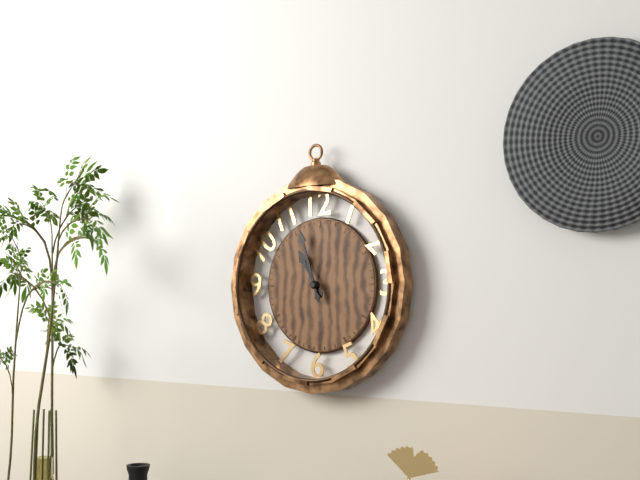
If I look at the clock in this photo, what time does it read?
10:57
